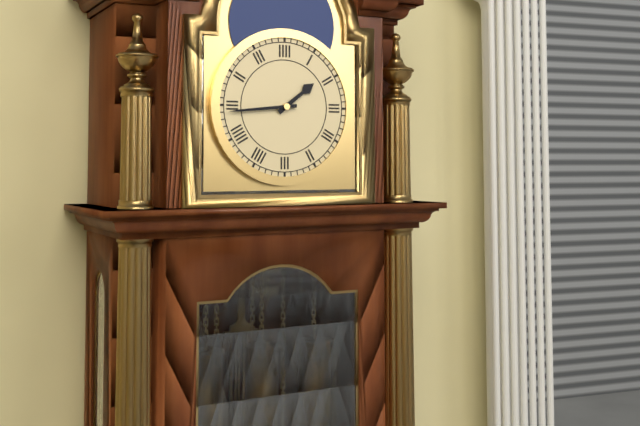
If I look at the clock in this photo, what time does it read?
1:44
